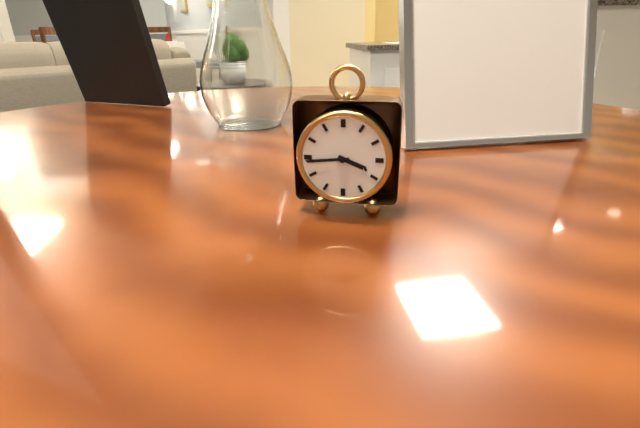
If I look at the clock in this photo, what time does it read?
3:44
